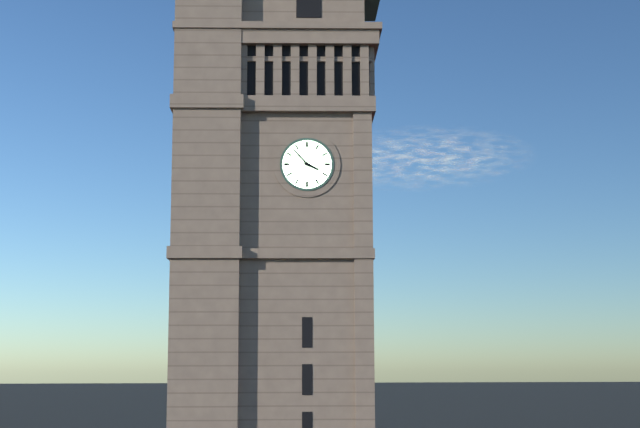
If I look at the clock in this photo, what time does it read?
3:53
